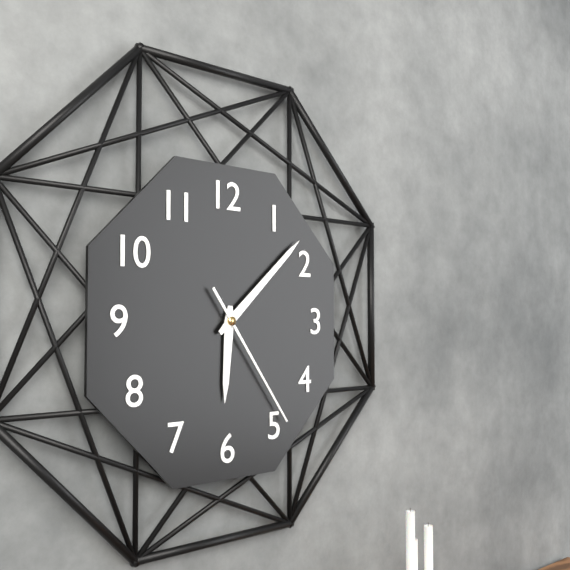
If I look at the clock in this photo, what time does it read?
6:08:24
